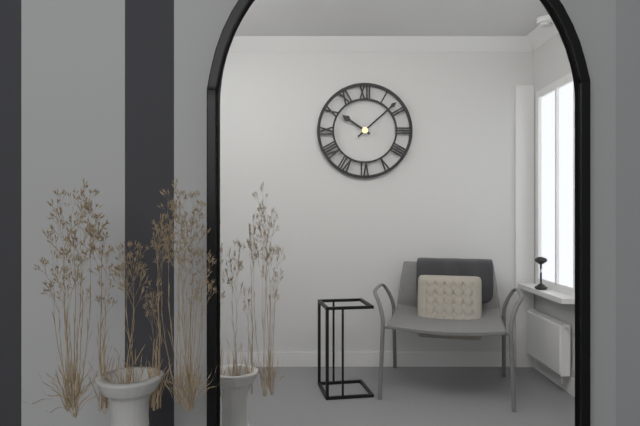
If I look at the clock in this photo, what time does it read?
10:08
